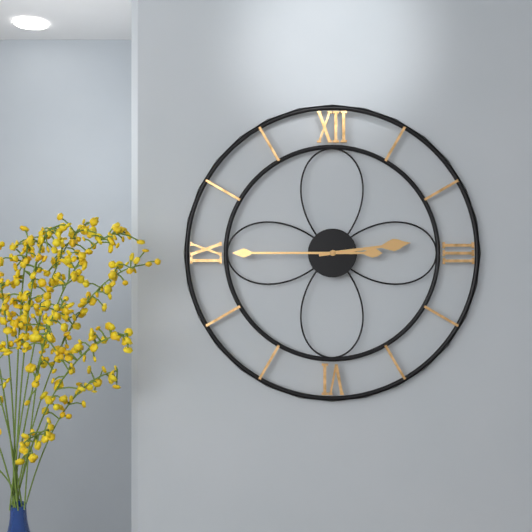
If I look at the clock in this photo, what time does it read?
2:45
